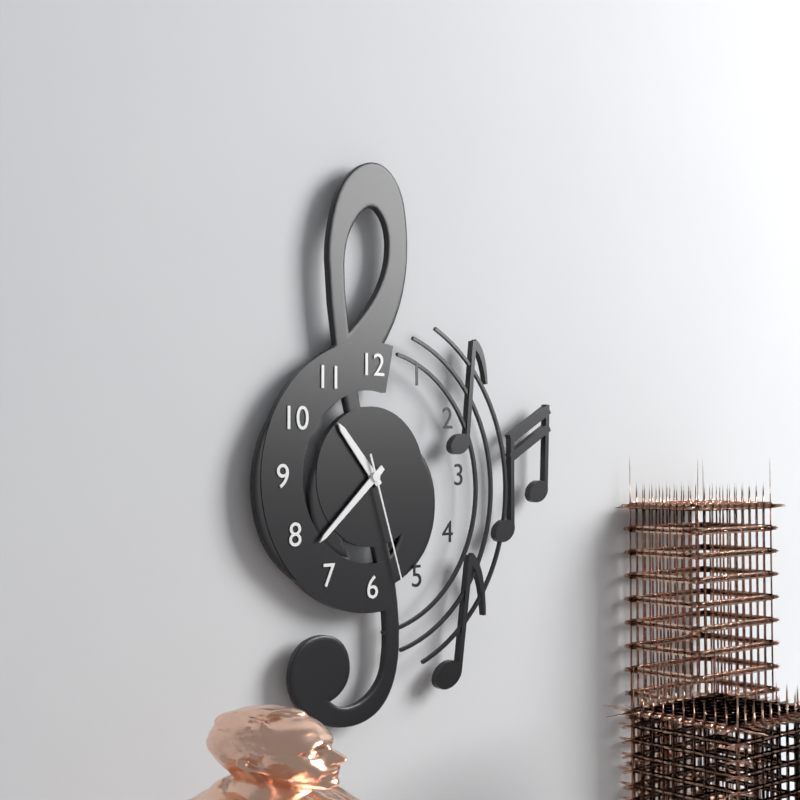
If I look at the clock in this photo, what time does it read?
10:38:27
